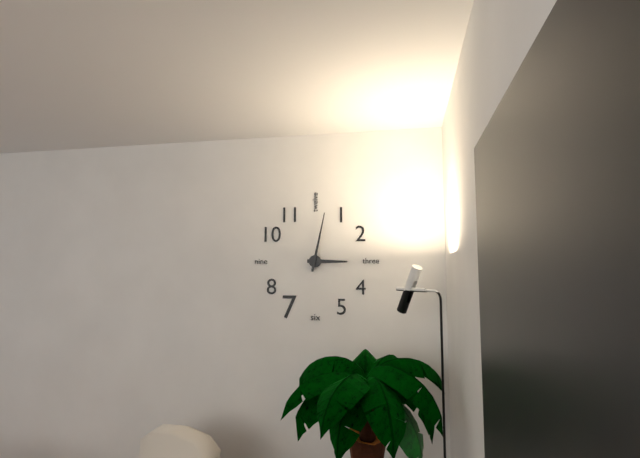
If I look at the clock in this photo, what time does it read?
3:02
